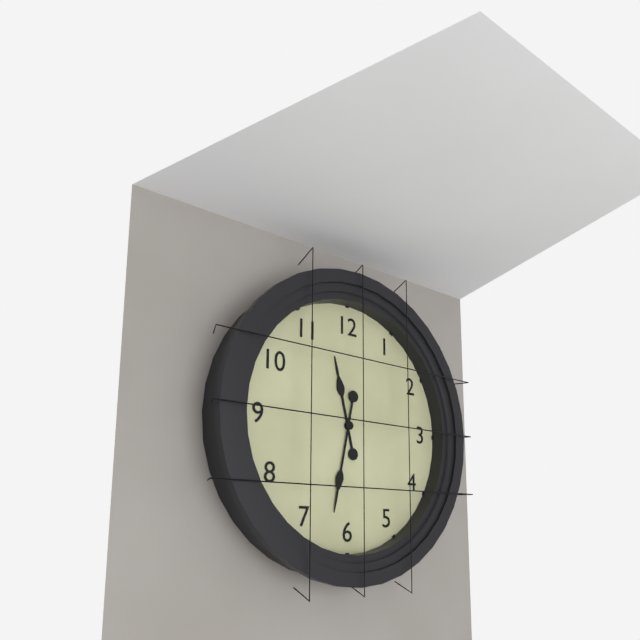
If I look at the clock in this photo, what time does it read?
11:32
